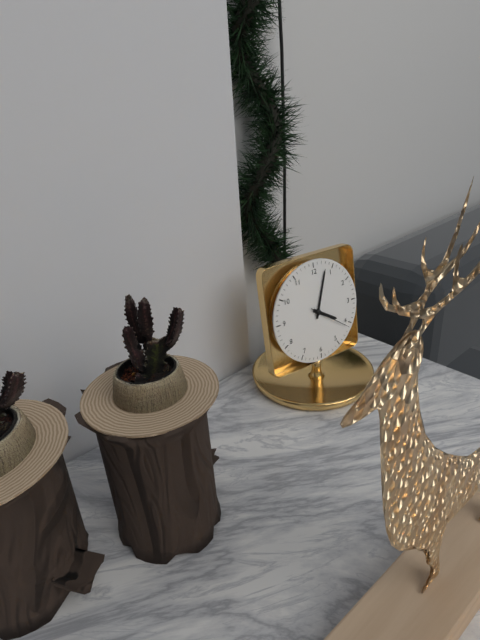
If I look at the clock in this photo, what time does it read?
4:03
